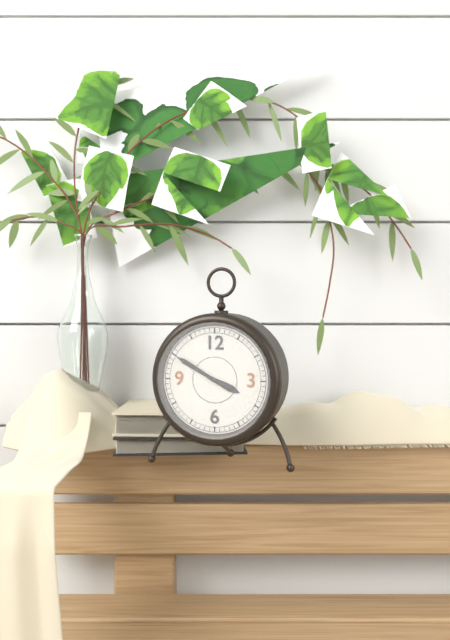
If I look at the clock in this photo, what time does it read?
3:50
